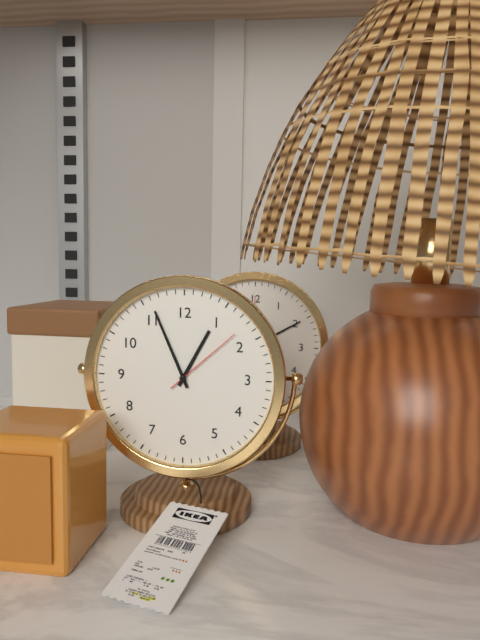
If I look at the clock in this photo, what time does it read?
12:56:08
